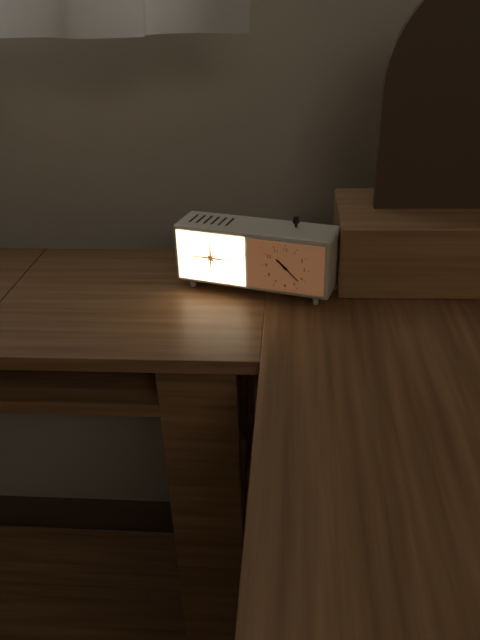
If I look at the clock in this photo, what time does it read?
10:22
